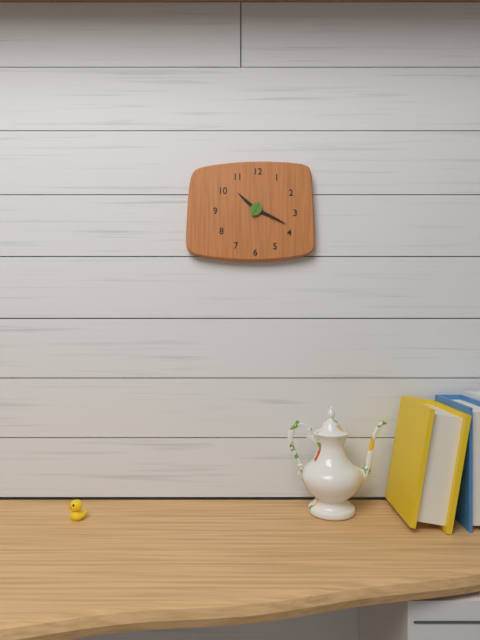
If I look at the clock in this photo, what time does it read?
10:19
